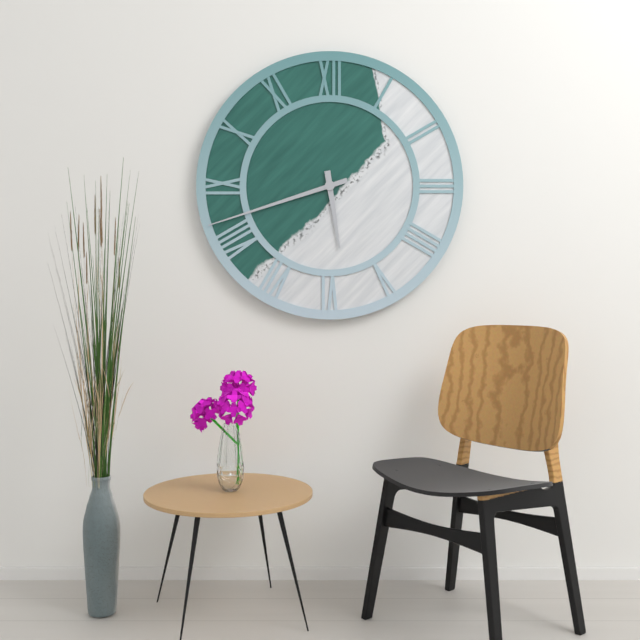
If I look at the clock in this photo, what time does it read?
5:42
